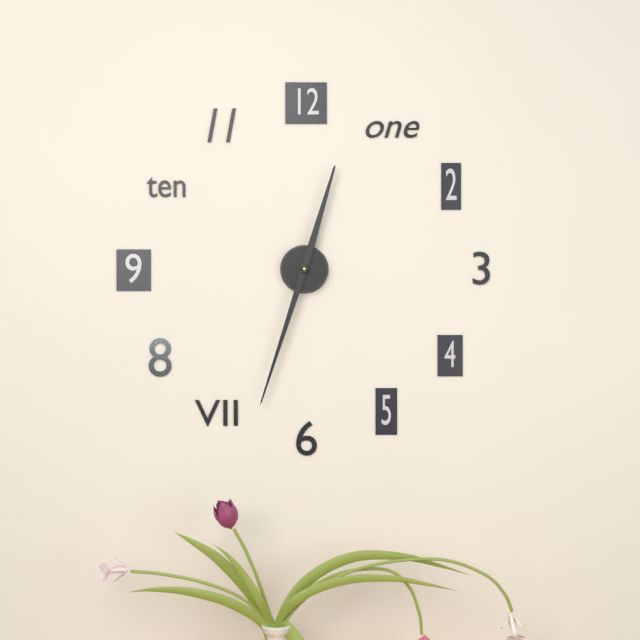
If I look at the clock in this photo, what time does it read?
12:33
